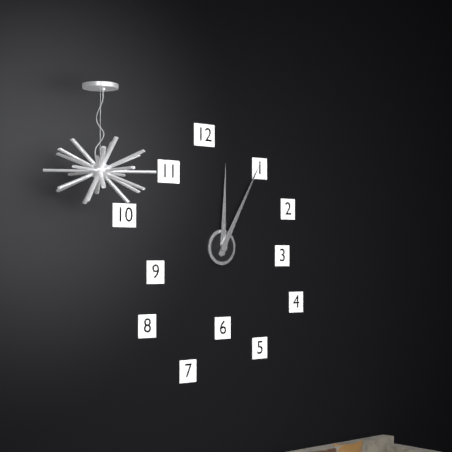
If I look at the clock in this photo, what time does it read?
12:05
